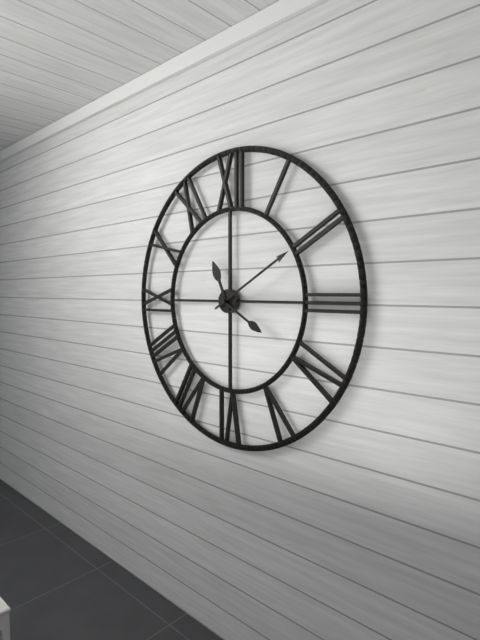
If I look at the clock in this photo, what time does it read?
11:10
